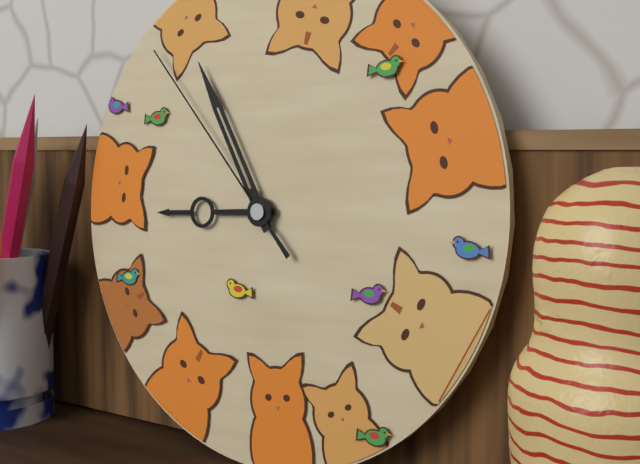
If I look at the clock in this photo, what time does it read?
8:55:53
